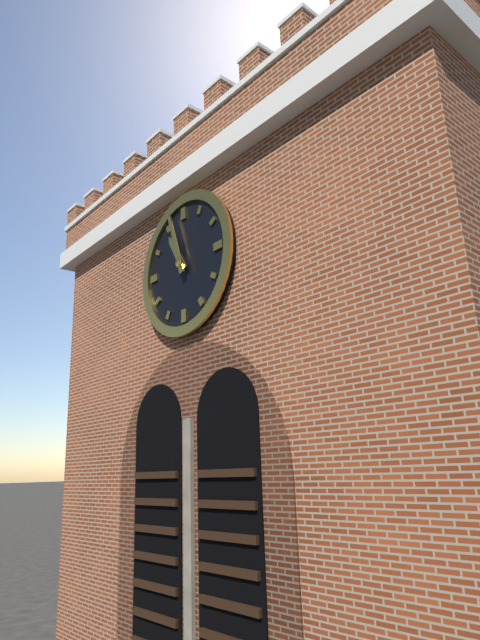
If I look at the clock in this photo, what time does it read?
10:57
